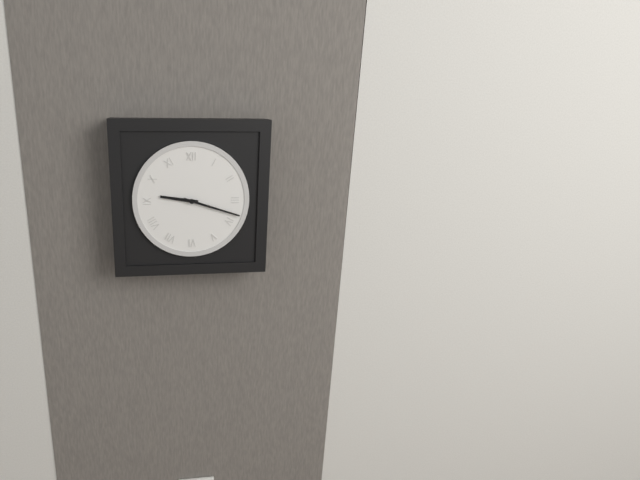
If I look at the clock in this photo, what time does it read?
9:18
